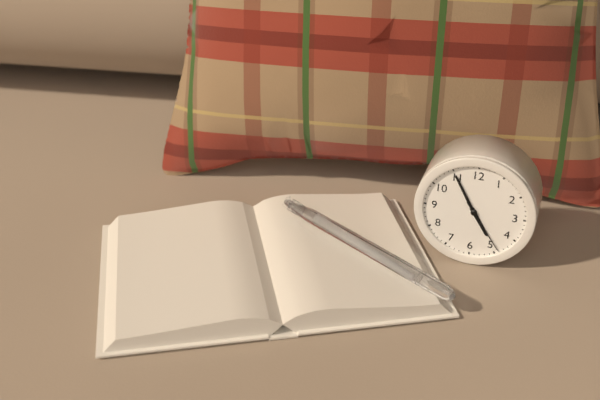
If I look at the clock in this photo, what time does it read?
4:55:24
